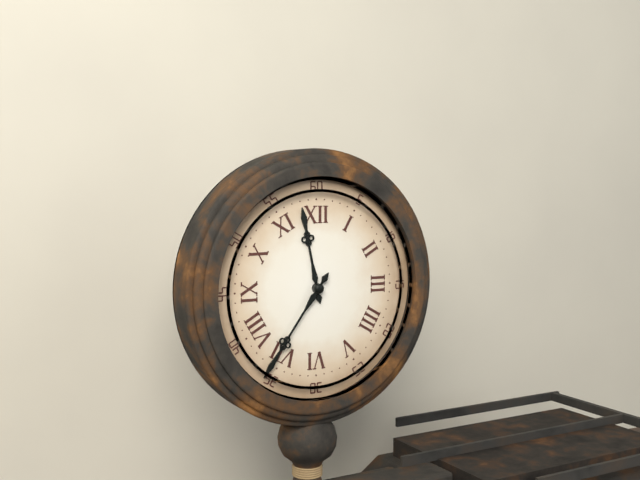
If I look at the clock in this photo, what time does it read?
11:36
